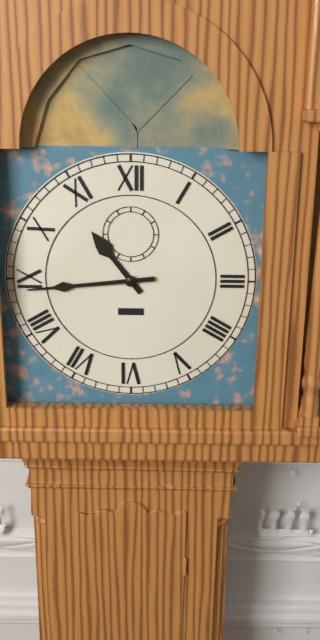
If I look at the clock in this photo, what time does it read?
10:44
